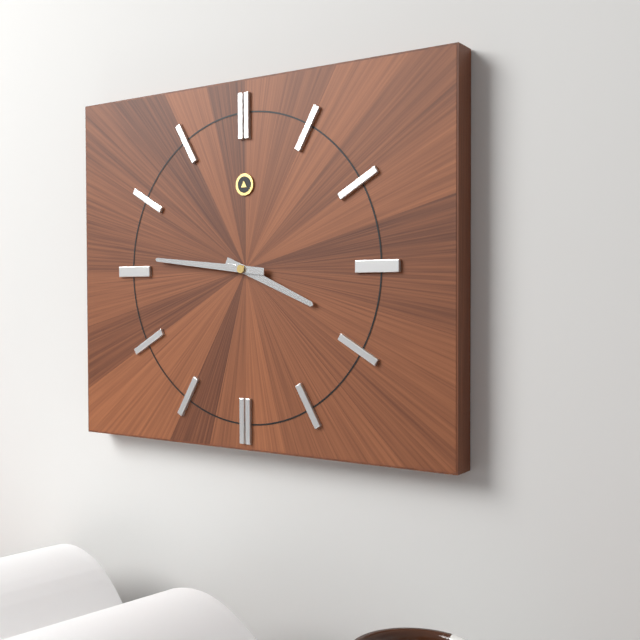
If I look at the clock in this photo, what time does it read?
3:46
